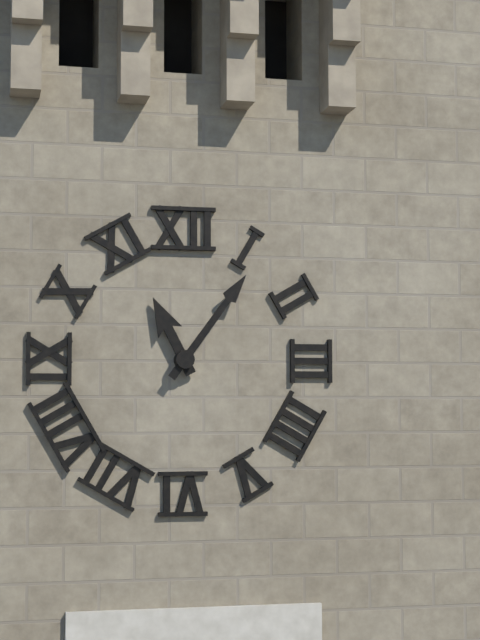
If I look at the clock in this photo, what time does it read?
11:06
